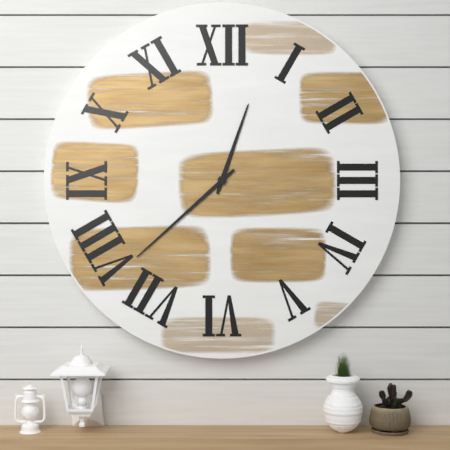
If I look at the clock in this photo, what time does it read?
12:38
